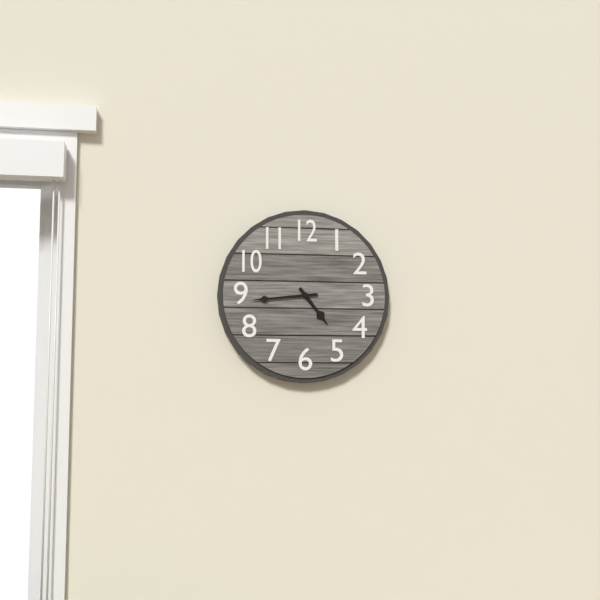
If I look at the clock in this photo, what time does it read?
4:44
